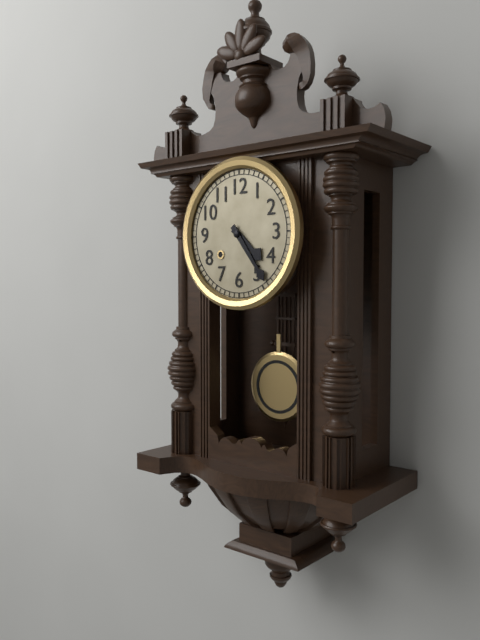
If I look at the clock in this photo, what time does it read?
4:24
